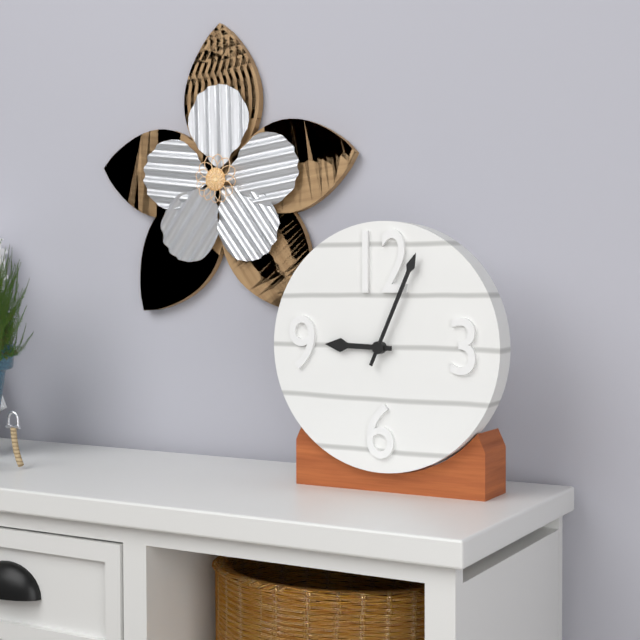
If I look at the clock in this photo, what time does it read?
9:04
